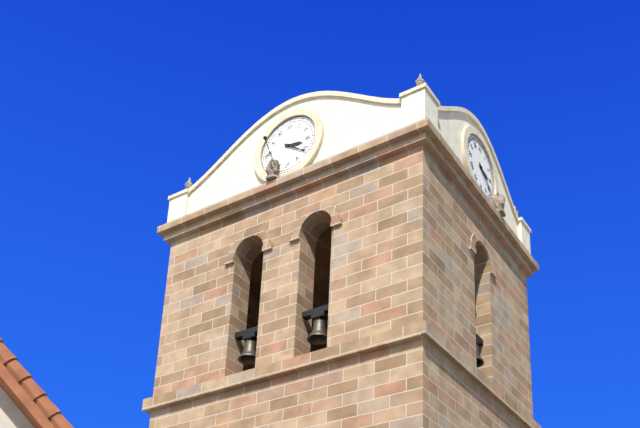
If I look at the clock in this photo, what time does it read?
3:21
